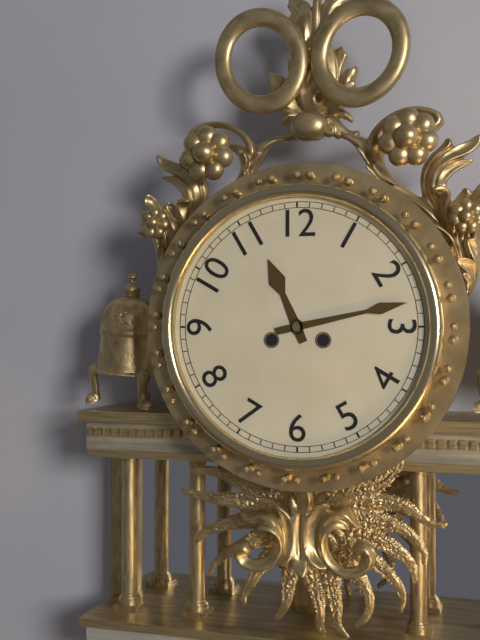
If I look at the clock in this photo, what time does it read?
11:13
